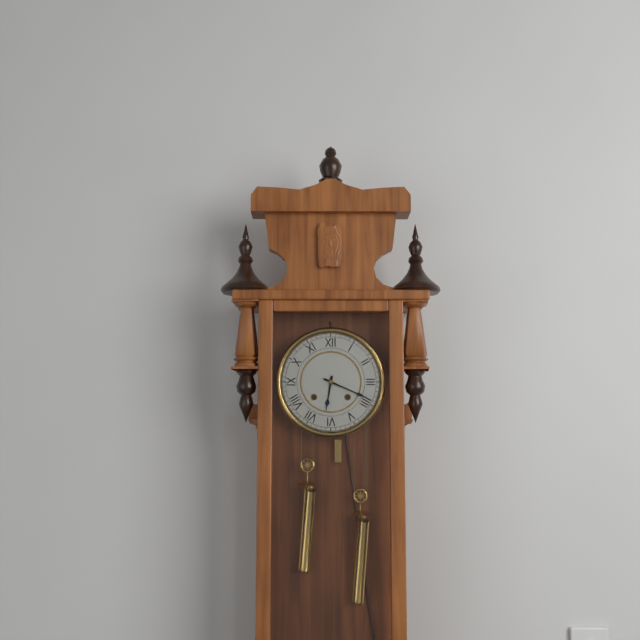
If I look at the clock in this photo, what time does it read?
6:19
